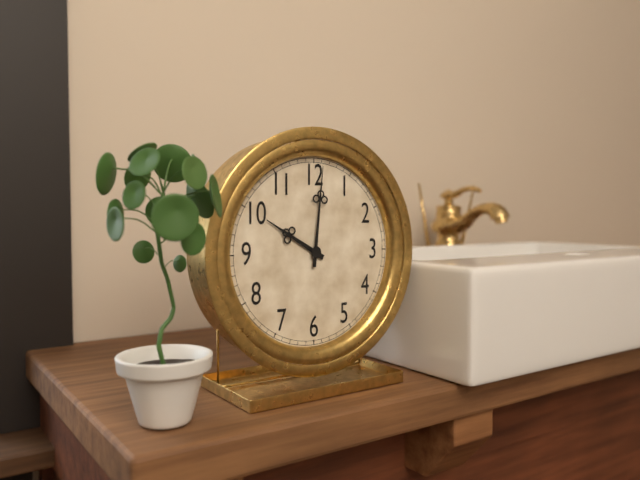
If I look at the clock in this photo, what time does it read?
10:01
